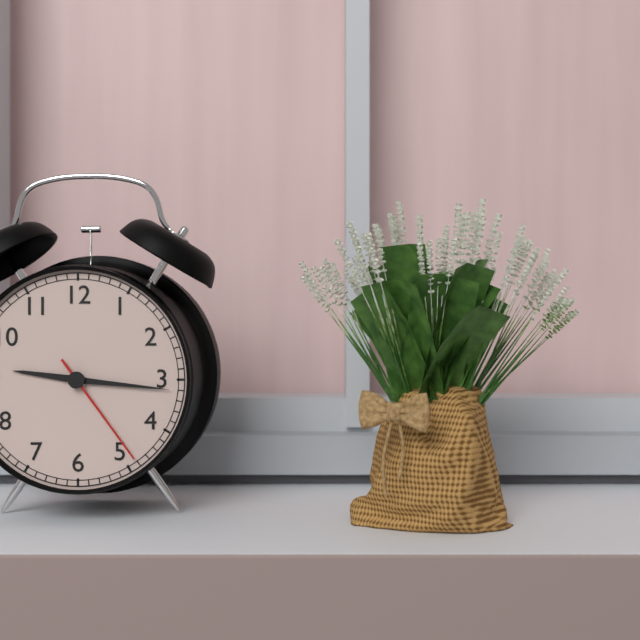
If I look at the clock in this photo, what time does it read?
9:16:24
